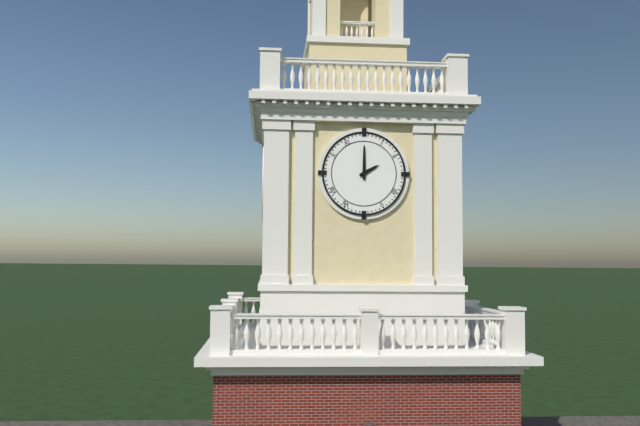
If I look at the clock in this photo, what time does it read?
2:00
